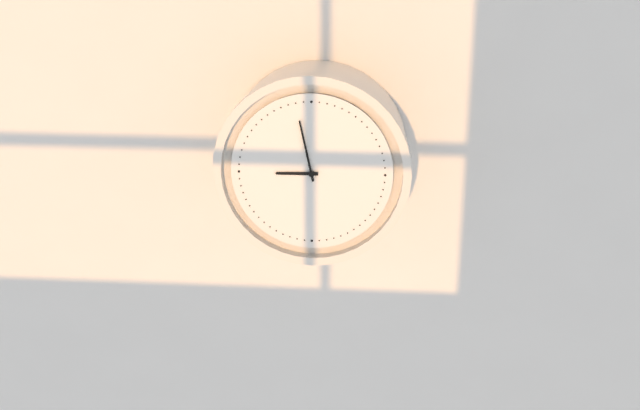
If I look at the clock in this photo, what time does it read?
8:58
